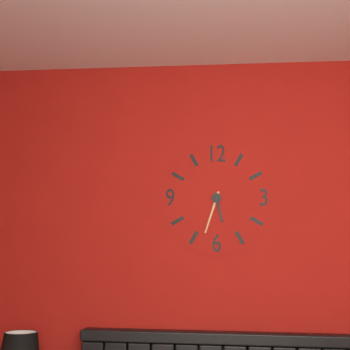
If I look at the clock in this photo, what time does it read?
5:33
